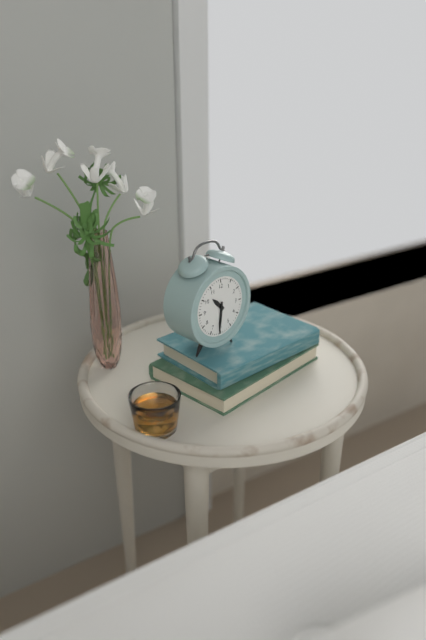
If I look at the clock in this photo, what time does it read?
10:31
